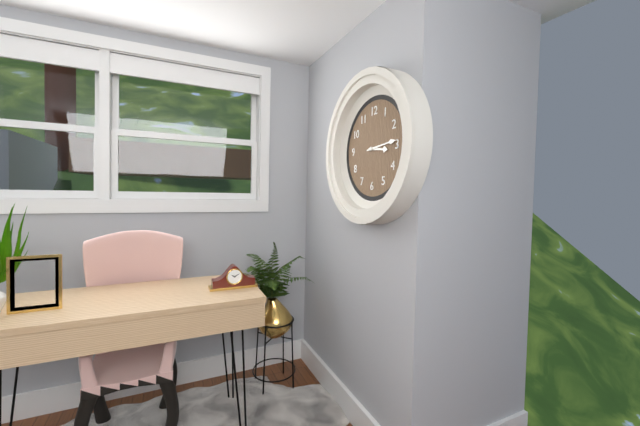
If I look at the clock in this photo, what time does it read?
3:14
